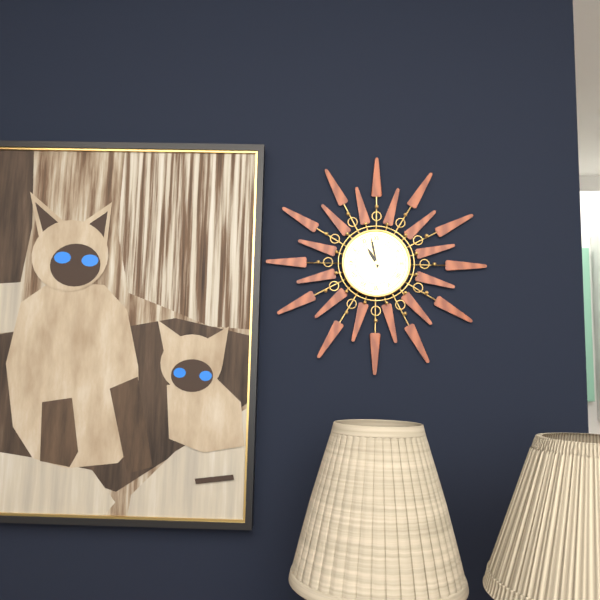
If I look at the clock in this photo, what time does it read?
10:58
